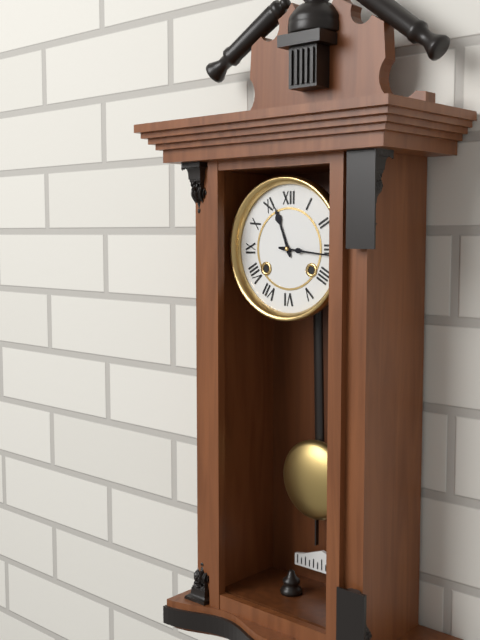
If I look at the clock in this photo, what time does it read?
11:16
